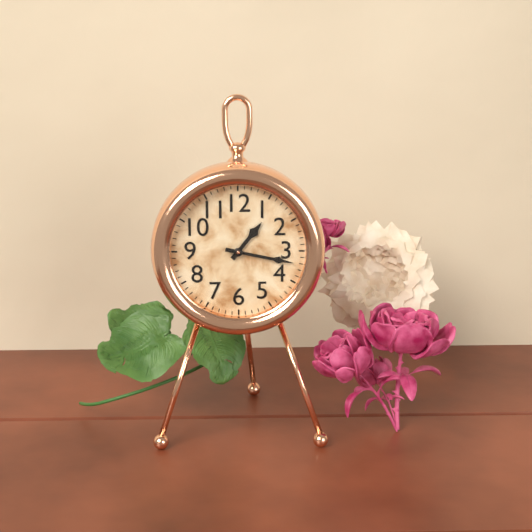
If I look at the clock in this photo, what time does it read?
1:17
